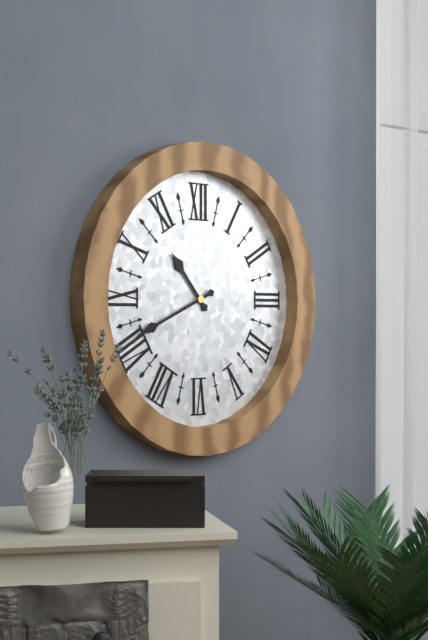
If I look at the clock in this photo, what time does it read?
10:41
